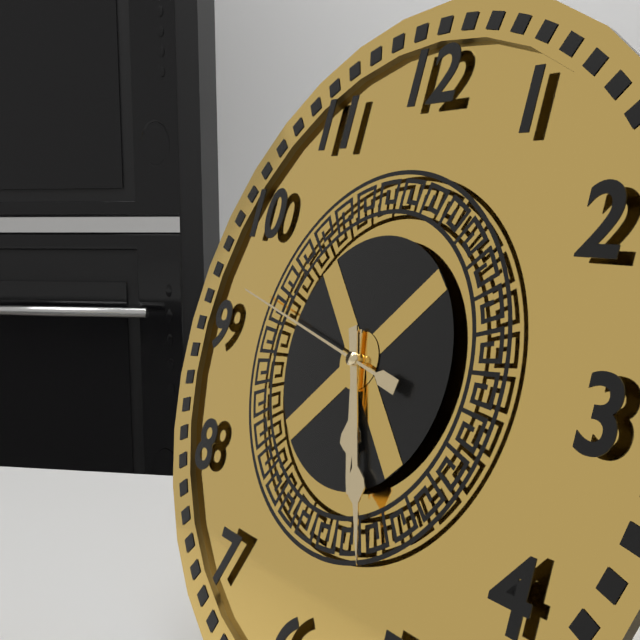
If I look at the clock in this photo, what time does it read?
5:26:47
